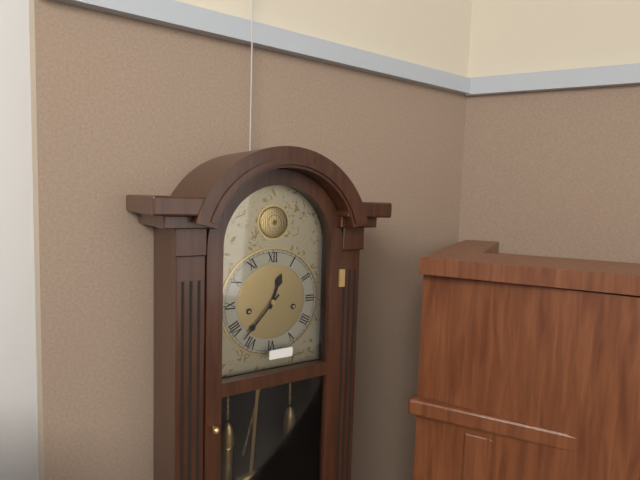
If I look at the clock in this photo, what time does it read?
12:37
